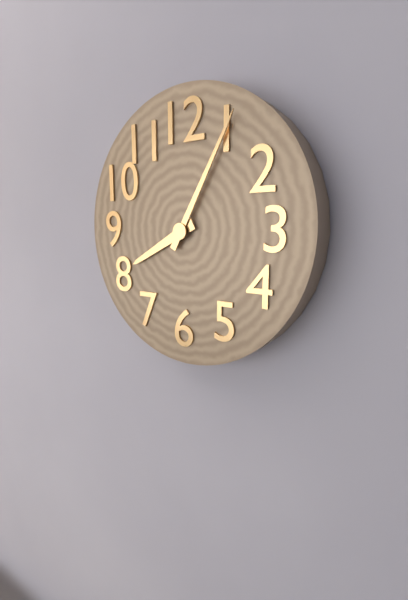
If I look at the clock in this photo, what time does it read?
8:05
